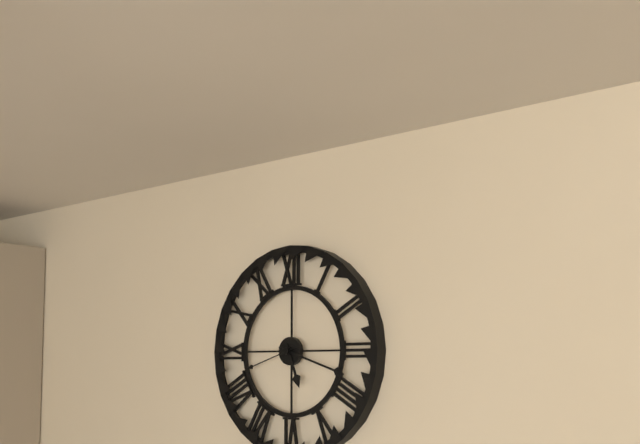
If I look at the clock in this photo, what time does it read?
5:18:42
